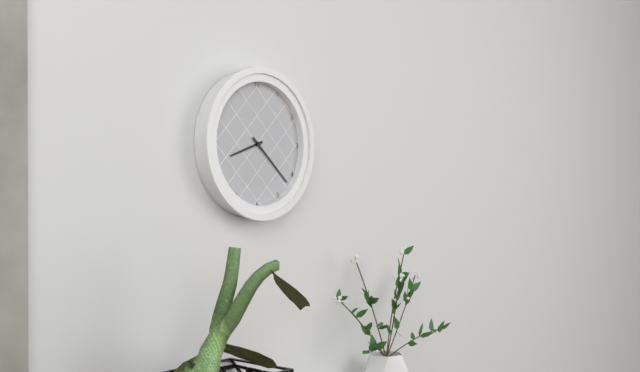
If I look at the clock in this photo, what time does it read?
8:22
